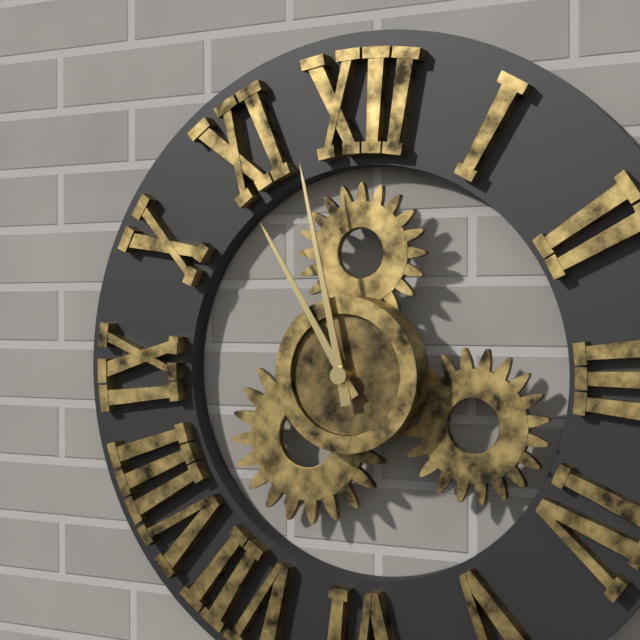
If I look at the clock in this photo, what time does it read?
10:58
